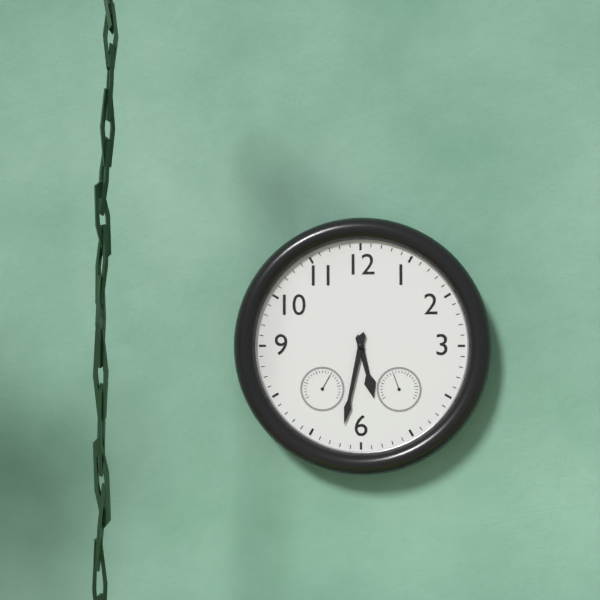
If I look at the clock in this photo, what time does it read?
5:32
